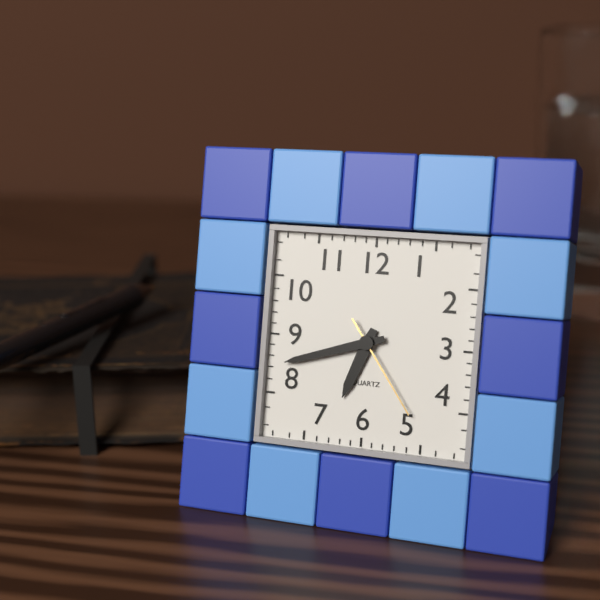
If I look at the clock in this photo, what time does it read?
6:42:24
